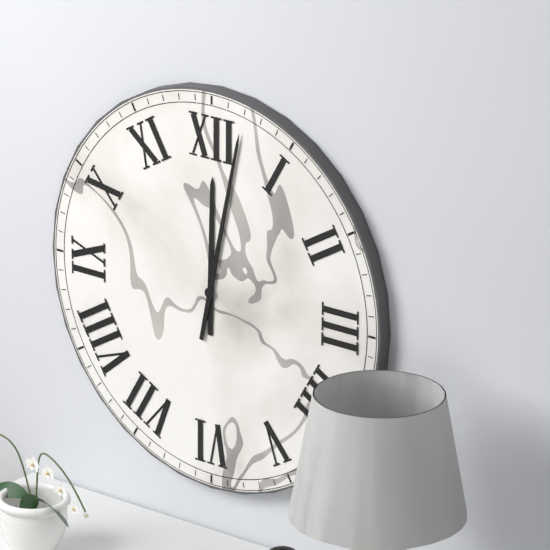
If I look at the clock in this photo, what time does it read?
12:02
